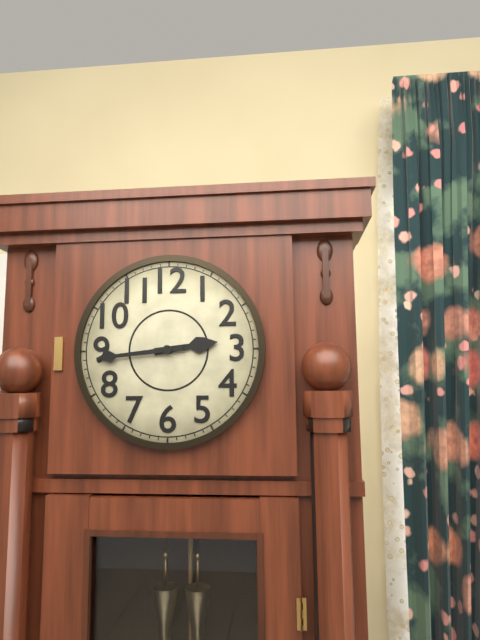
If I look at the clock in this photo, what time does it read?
2:44
